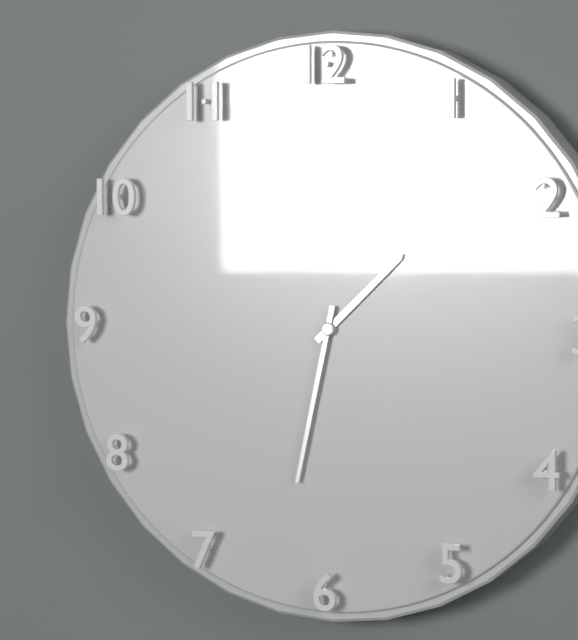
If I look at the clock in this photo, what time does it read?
1:32
